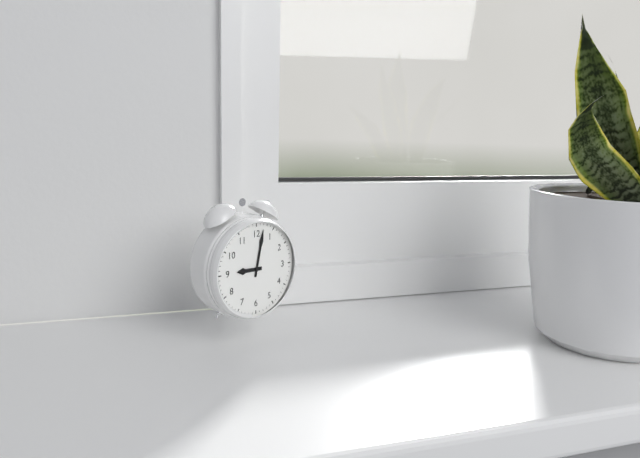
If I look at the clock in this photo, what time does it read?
9:02
